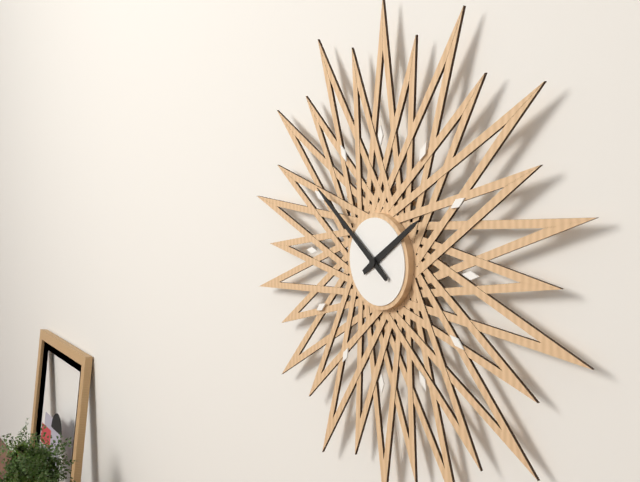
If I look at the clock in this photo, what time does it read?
1:51
